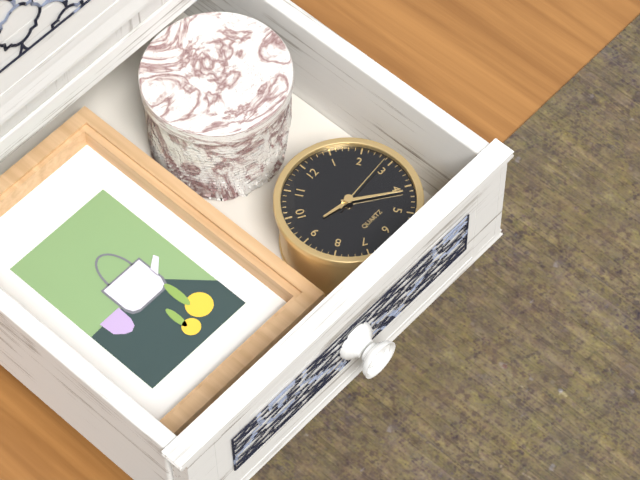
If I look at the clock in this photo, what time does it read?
9:21:14
